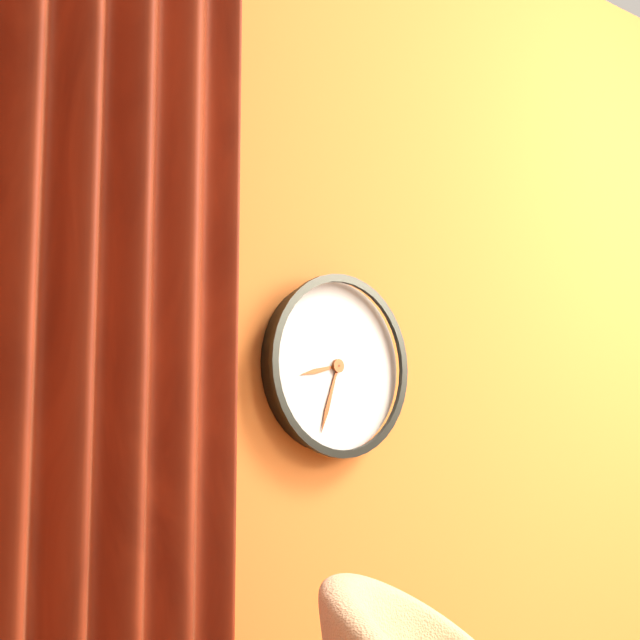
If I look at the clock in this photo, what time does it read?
8:33
